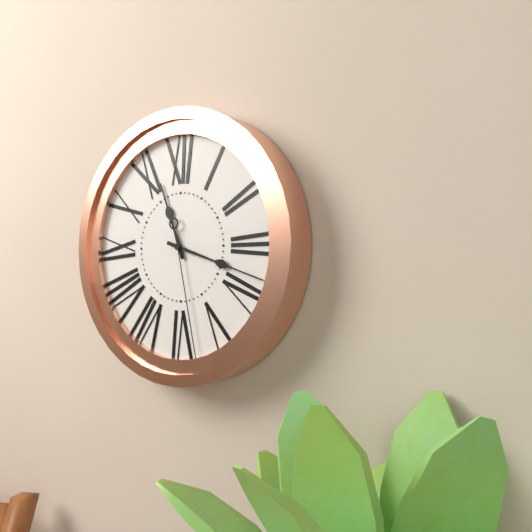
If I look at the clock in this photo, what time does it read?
11:18:28
